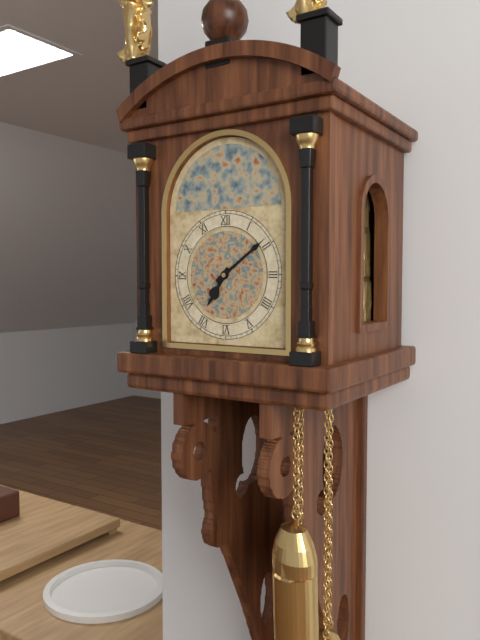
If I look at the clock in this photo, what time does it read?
7:09
